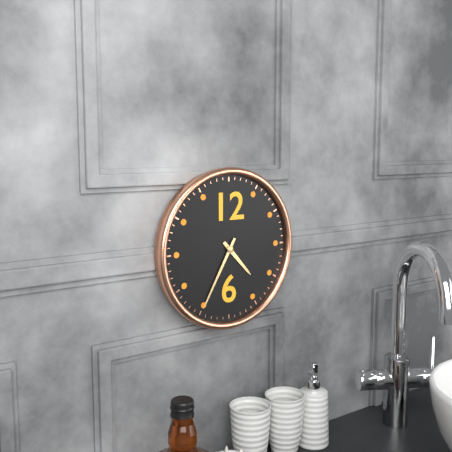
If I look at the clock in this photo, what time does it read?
4:35
